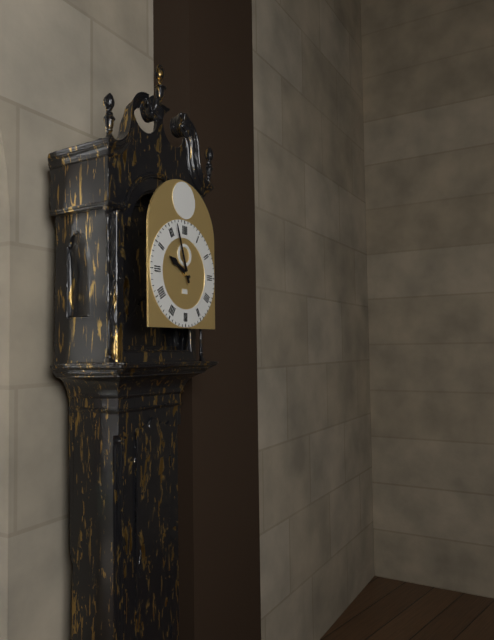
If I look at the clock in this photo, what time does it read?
9:57
